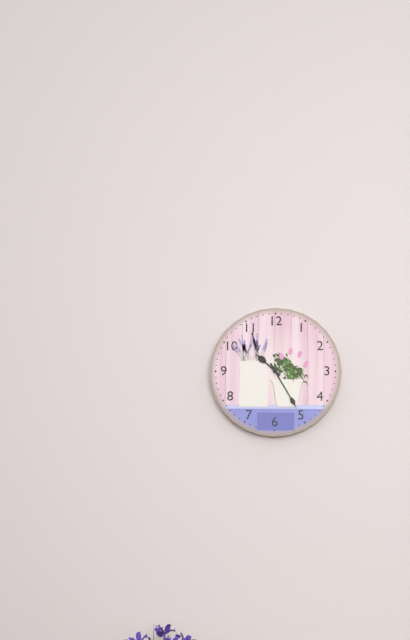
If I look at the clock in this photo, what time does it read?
10:25
